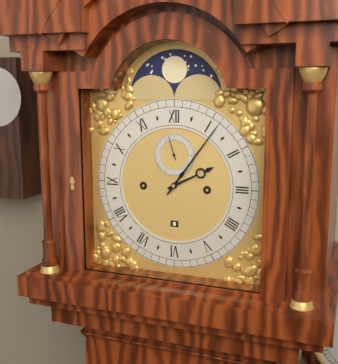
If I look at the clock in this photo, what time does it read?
2:06
